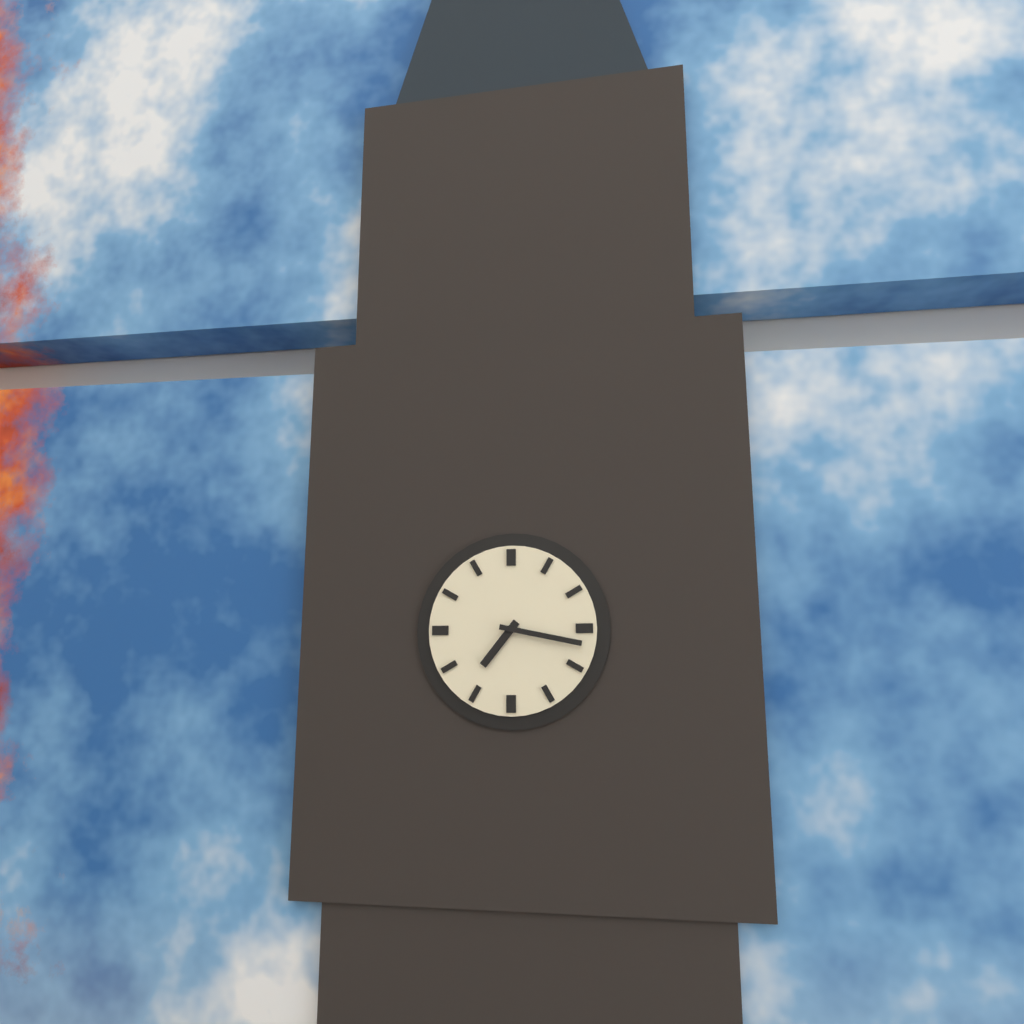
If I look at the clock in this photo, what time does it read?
7:17
